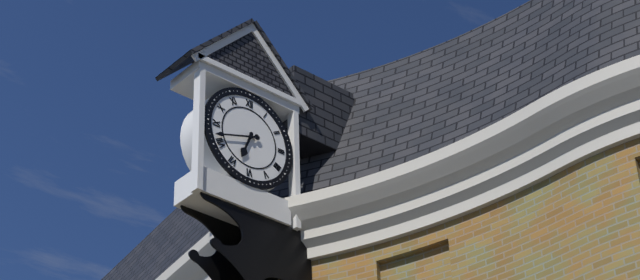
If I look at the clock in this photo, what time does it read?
6:42
